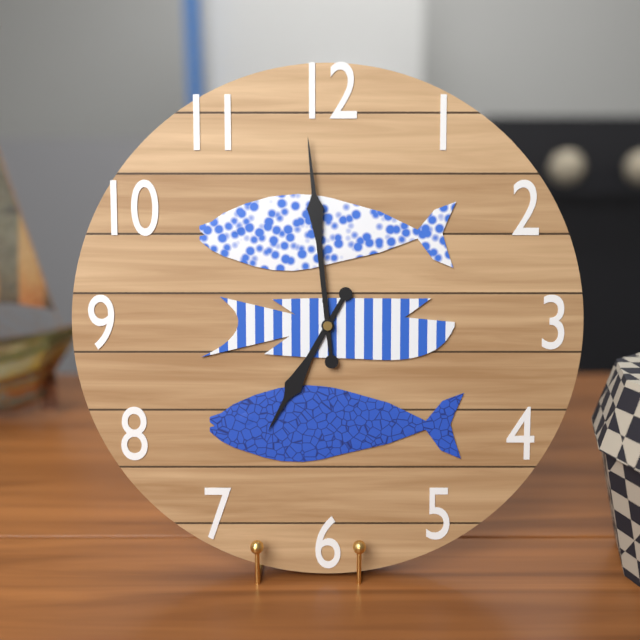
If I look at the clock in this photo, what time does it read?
6:59
